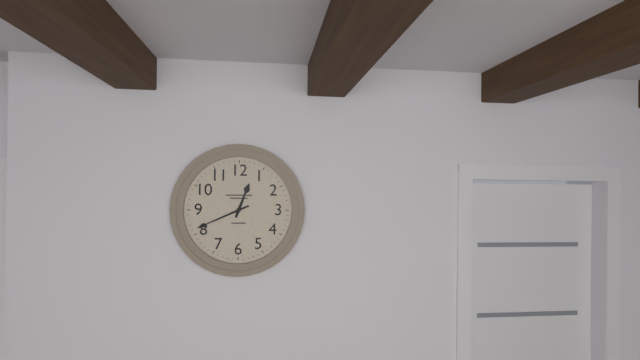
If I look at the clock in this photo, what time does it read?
12:41
